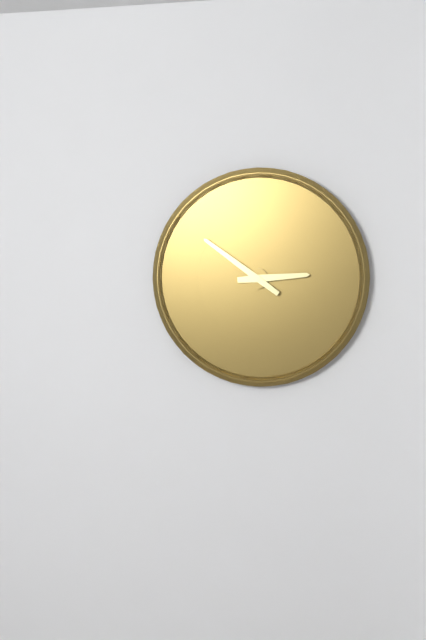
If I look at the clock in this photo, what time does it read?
2:51
